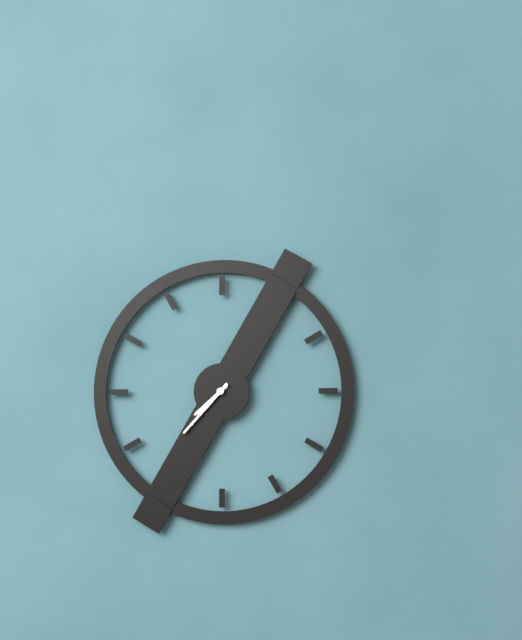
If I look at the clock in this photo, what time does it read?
7:37
